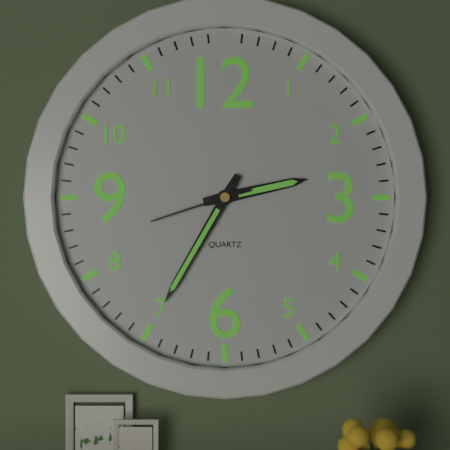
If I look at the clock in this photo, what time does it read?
2:35:42
